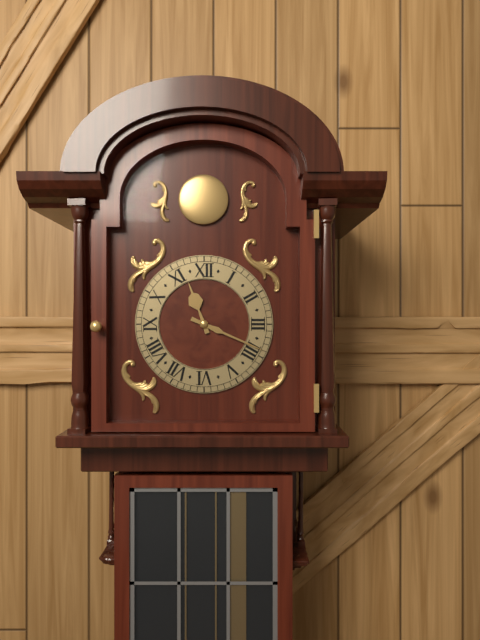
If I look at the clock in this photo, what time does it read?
11:19
